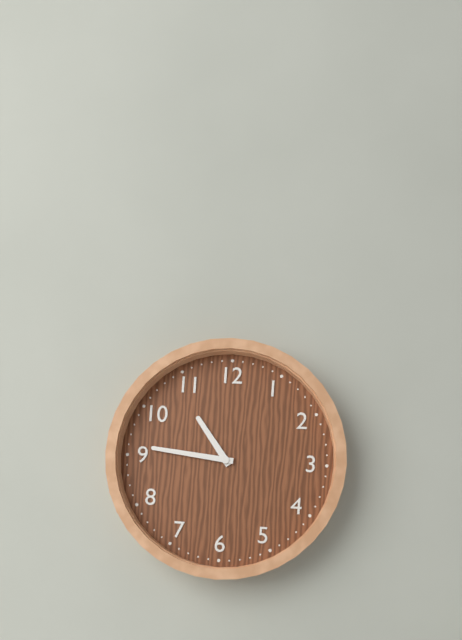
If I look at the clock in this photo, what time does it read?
10:46
